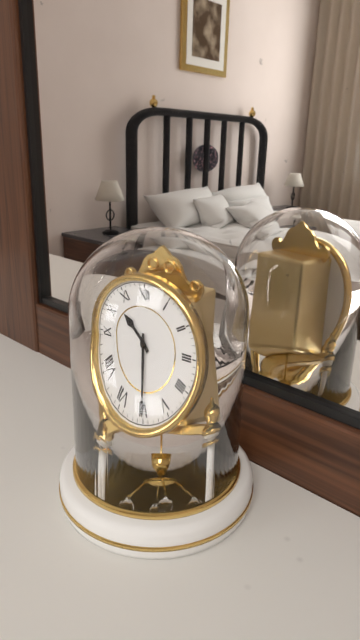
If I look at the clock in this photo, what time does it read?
10:30
